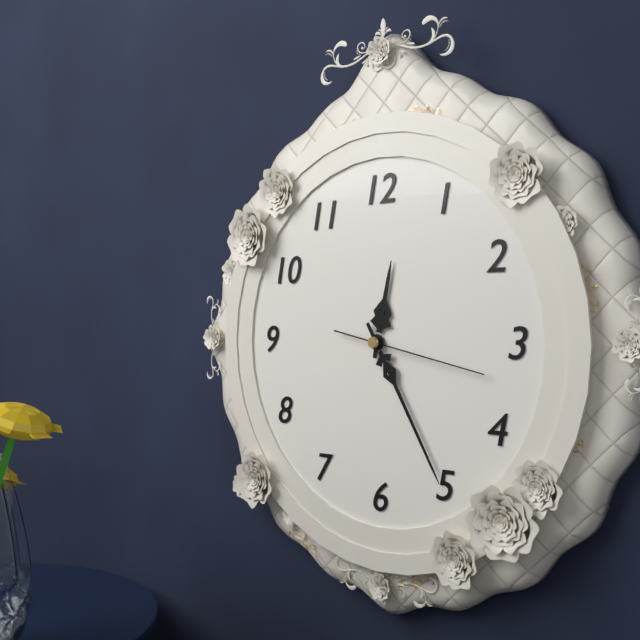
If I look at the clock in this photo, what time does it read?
12:25:17
